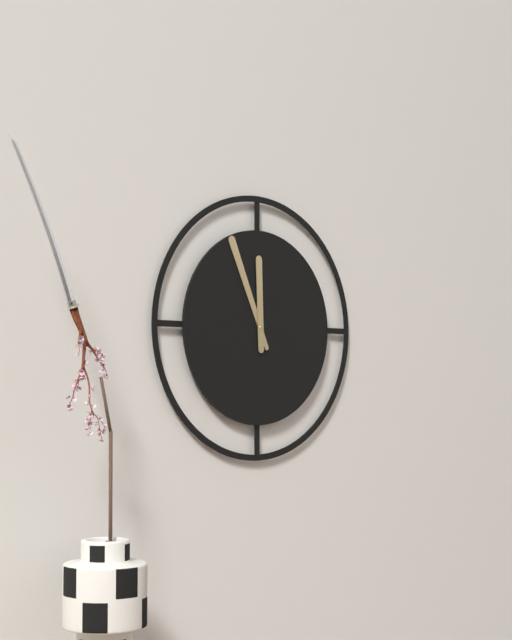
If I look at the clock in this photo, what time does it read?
11:56
